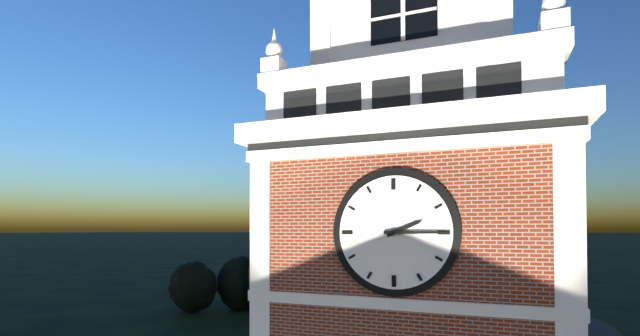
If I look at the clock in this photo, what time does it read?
2:15
